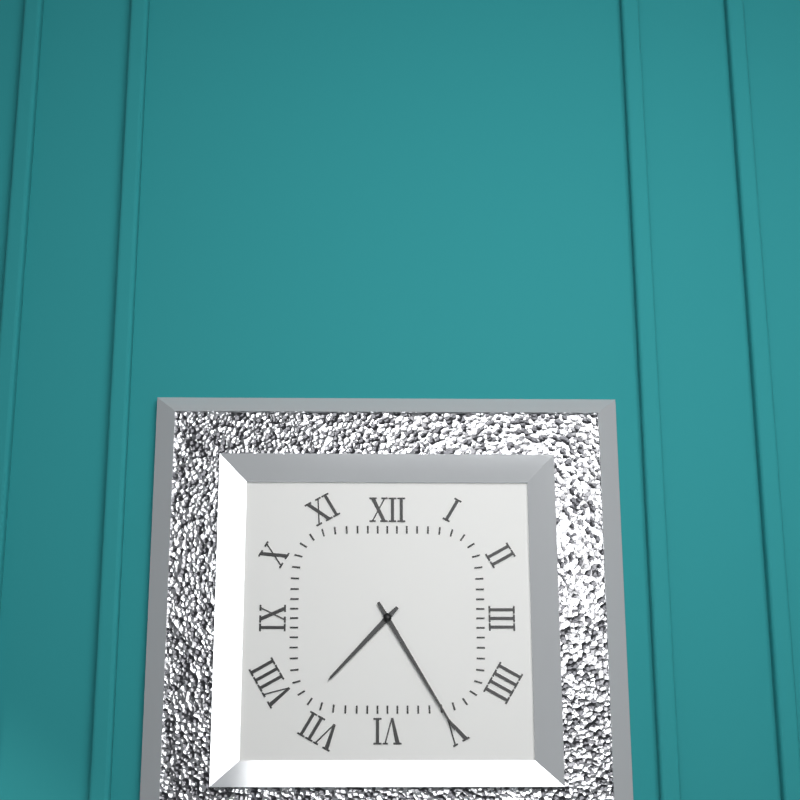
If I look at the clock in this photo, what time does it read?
7:25
